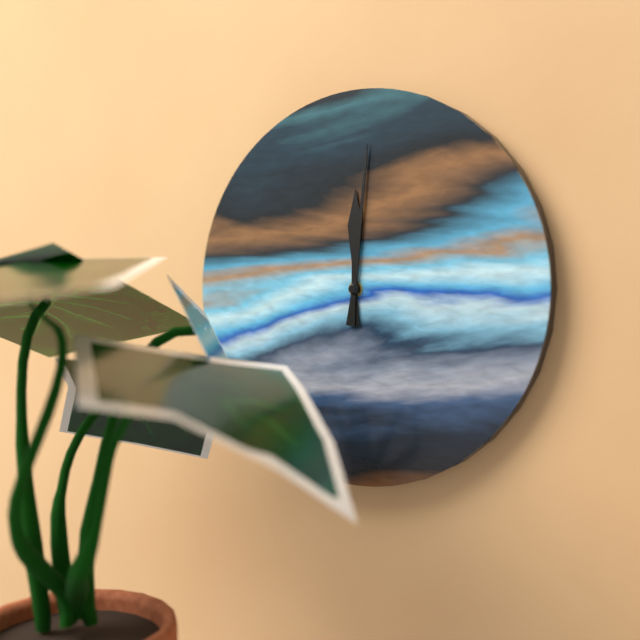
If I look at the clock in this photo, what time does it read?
12:01
